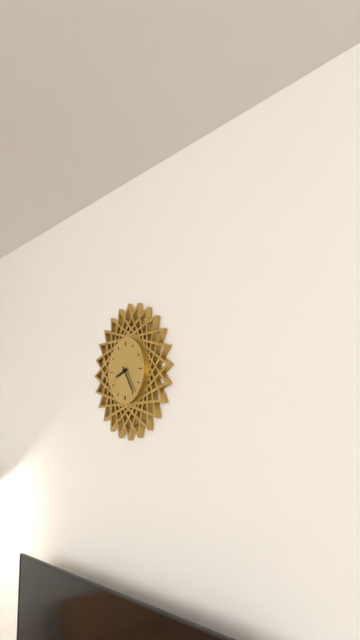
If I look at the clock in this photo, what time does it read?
8:24
